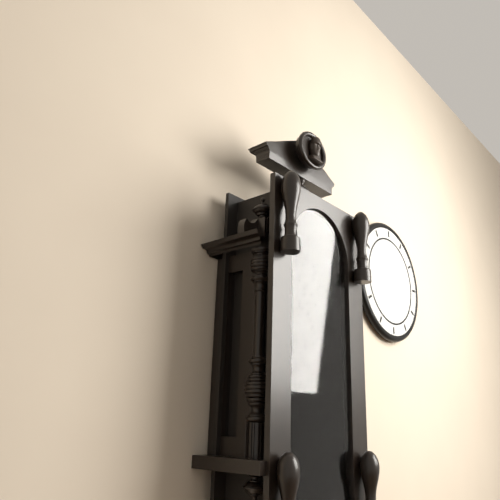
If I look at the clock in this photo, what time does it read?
1:09
